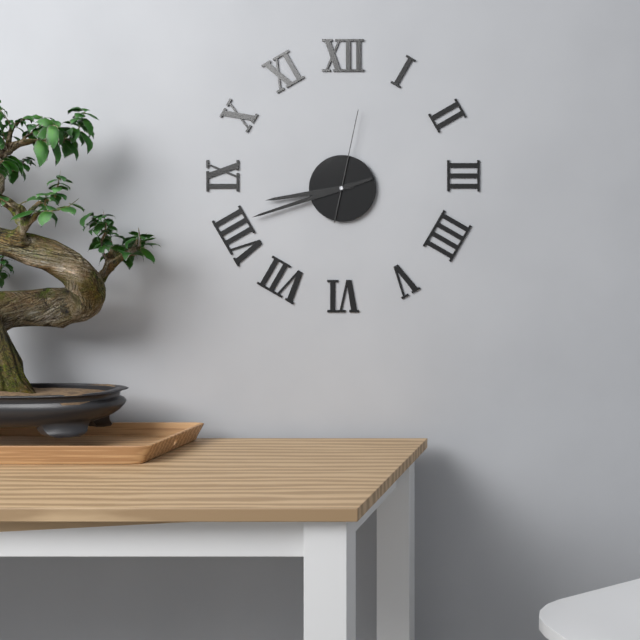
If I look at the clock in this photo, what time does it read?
8:42:02
